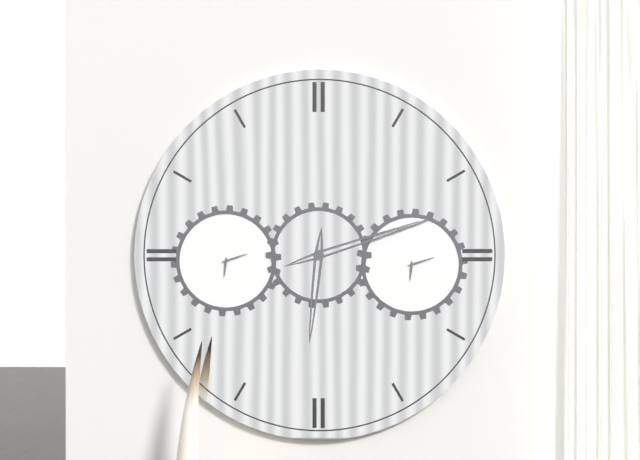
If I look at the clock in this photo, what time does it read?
6:12
